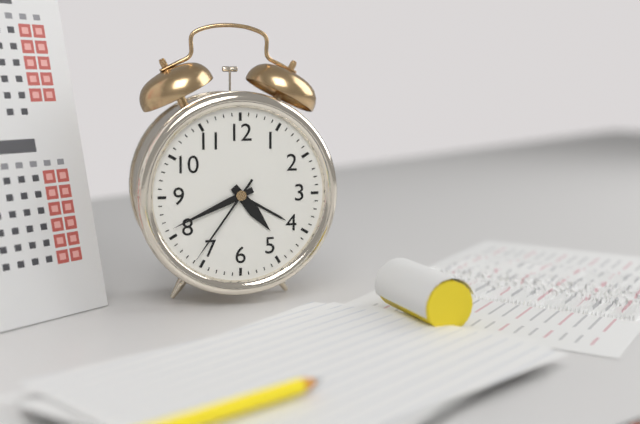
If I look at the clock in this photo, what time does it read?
4:41:36
